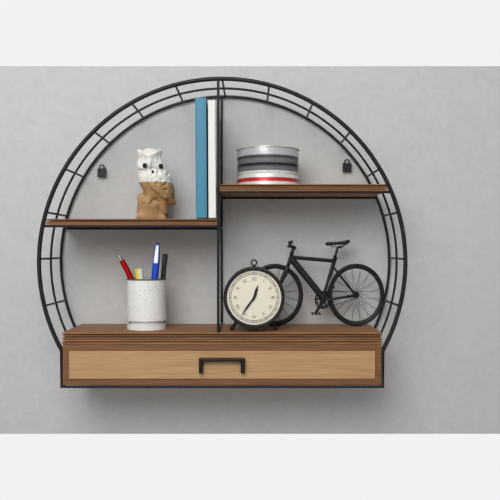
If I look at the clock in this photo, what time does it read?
12:36
